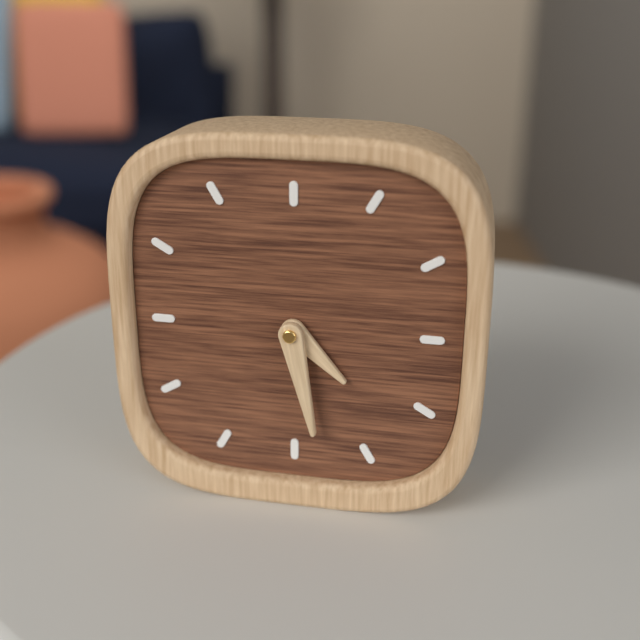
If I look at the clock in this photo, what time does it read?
4:28
